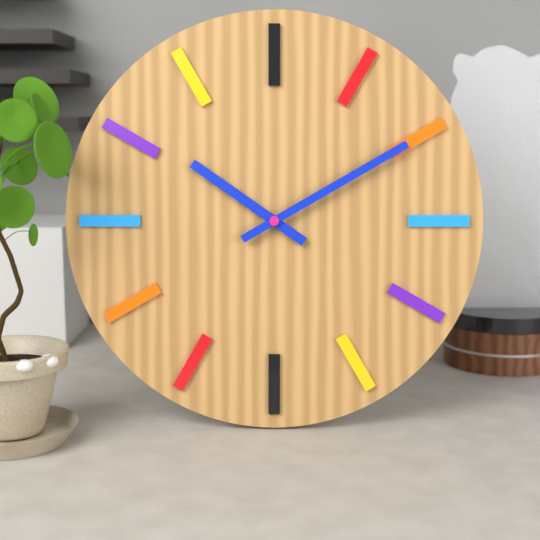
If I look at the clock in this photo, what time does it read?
10:10
